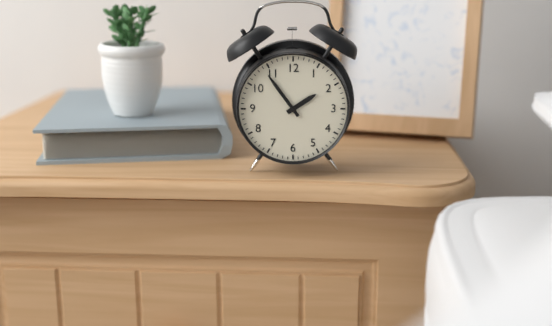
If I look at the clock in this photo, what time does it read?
1:54
